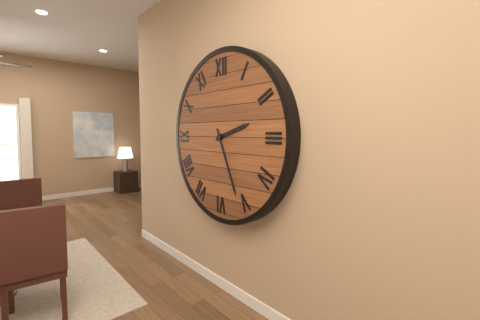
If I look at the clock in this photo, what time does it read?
2:26
